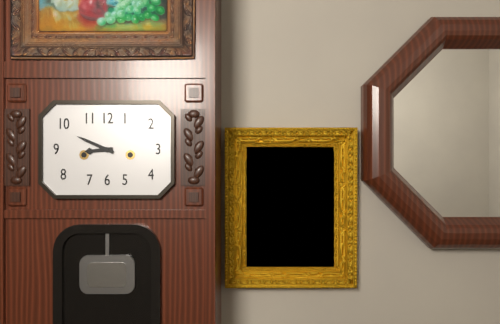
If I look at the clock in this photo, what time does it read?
8:49
